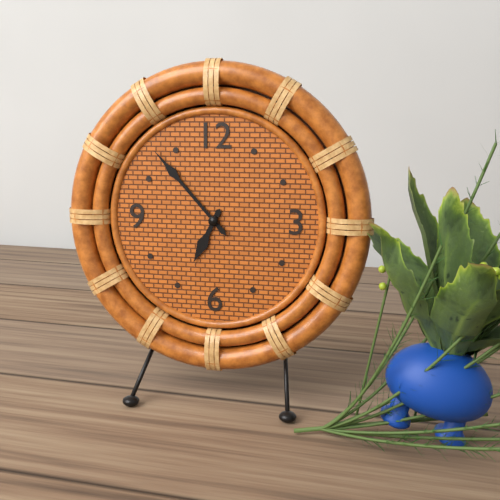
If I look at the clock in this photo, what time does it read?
6:53
